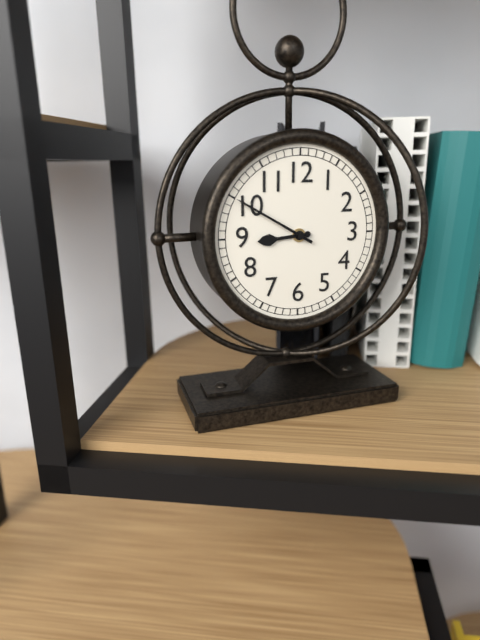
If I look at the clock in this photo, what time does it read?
8:50
